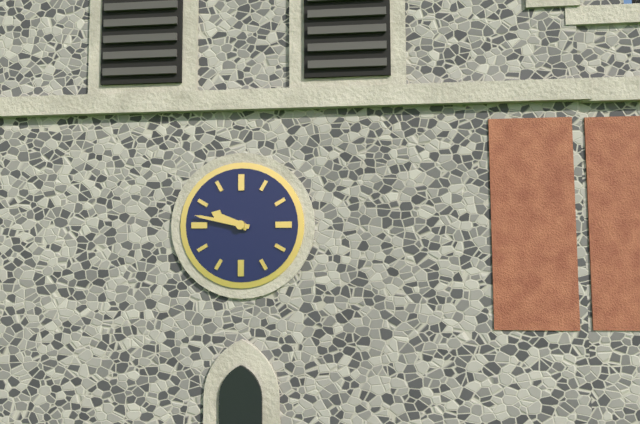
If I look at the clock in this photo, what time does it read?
9:47
